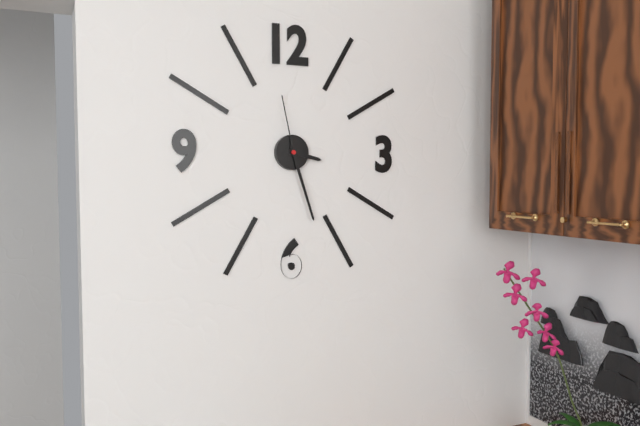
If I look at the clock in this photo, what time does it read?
3:27:58
